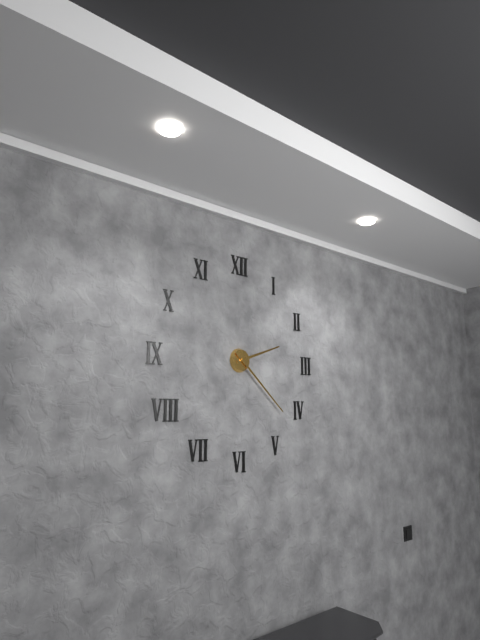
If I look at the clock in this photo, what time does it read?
2:22
